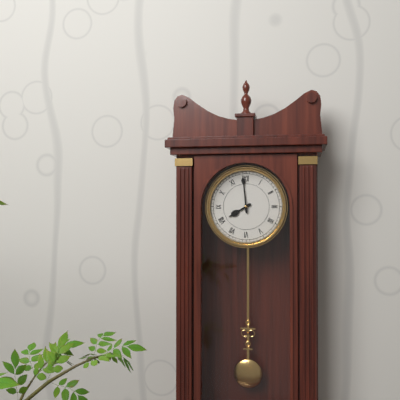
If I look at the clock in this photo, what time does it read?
7:59
